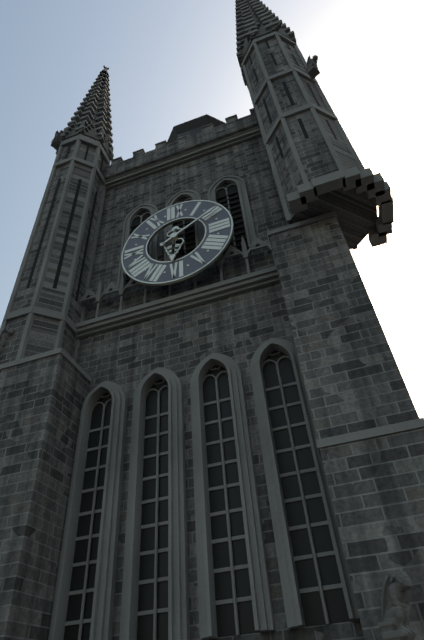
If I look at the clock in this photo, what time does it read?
6:10
